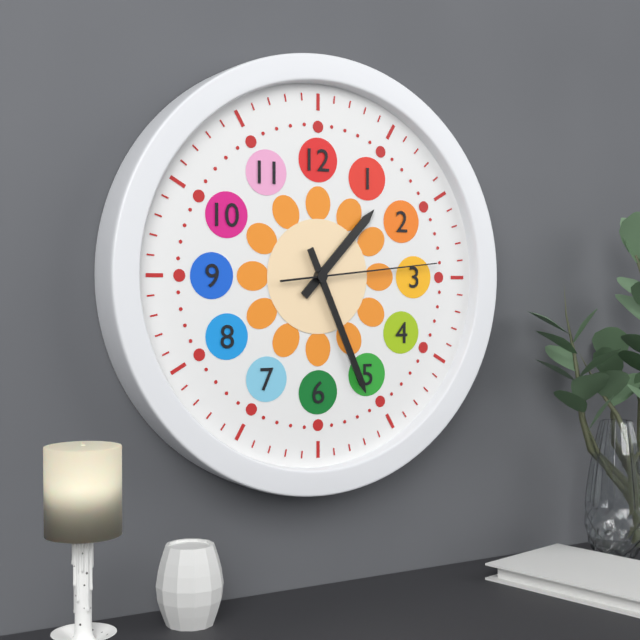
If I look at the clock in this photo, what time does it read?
1:26:14
